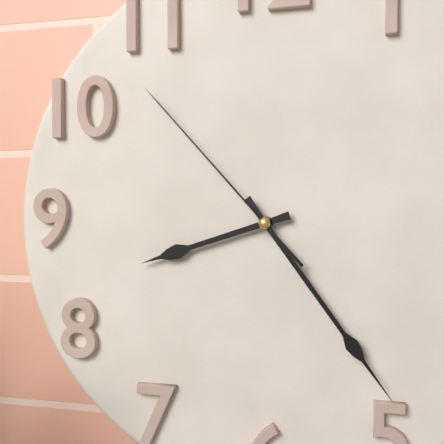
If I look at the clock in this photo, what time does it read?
8:24:53
